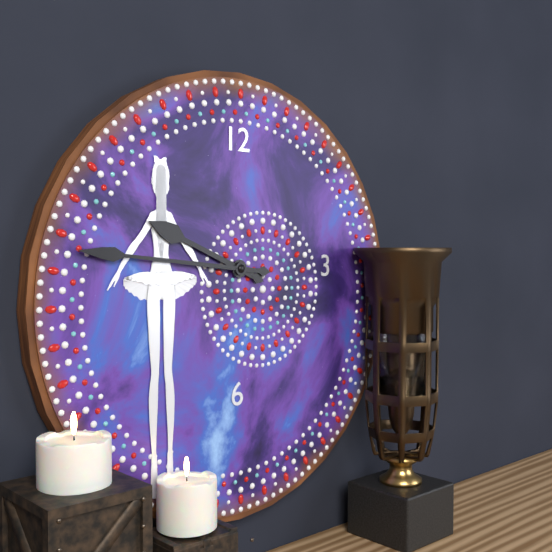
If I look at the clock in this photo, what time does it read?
9:46
